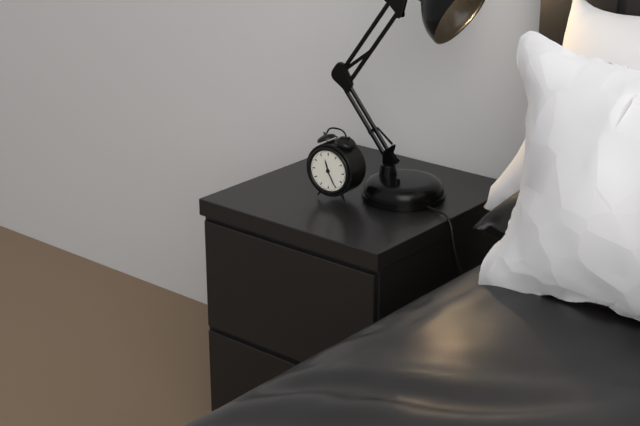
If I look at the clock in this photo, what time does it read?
11:25
